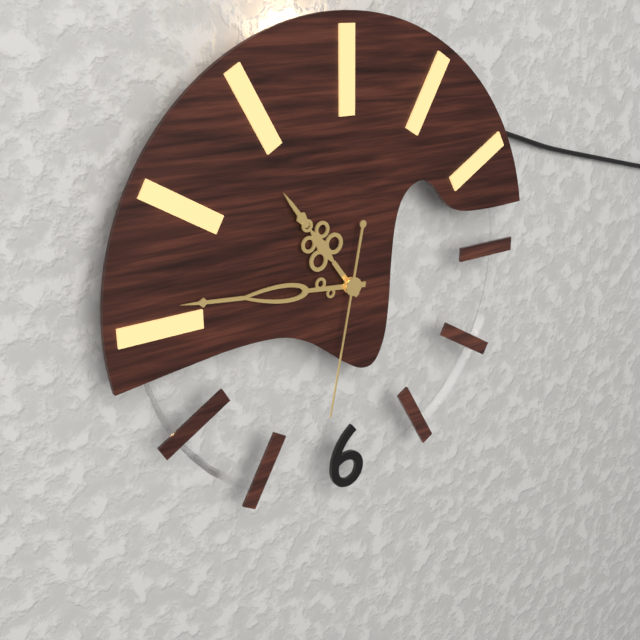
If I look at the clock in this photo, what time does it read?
10:46:32
